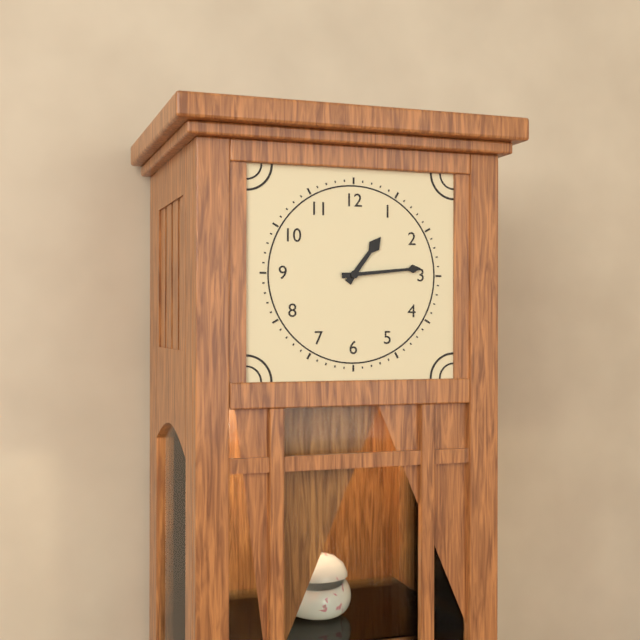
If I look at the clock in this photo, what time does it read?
1:14
